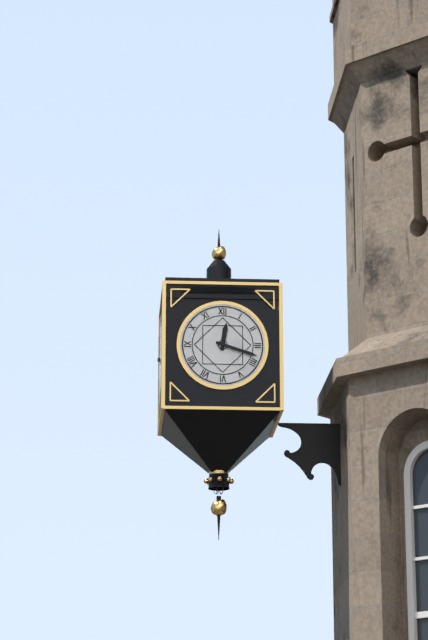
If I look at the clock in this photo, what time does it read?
12:18
